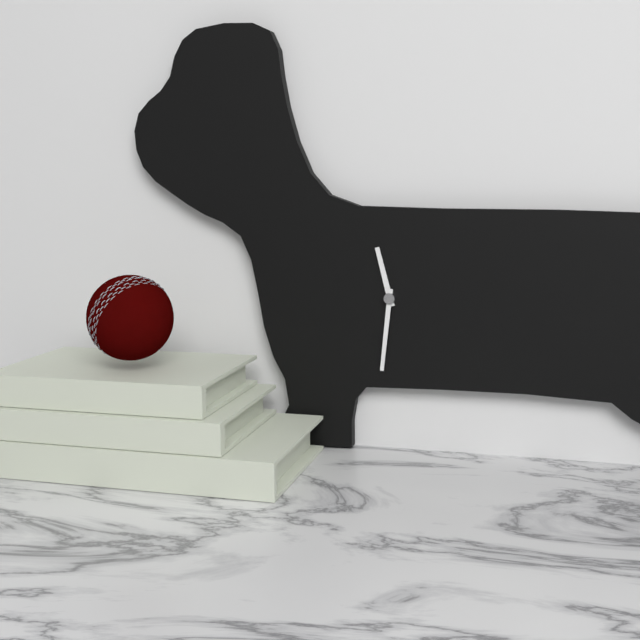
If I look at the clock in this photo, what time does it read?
11:31
